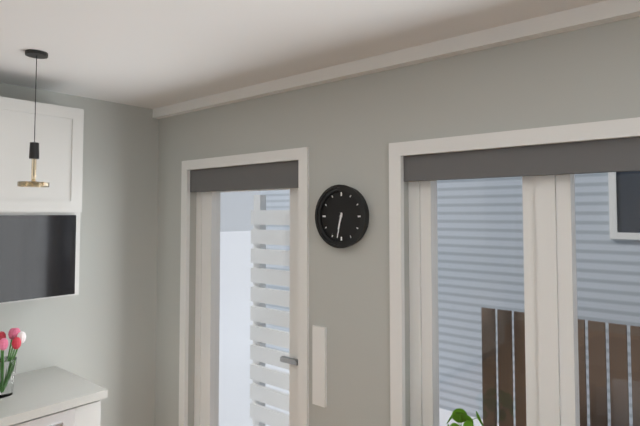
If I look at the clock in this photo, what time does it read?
6:32
